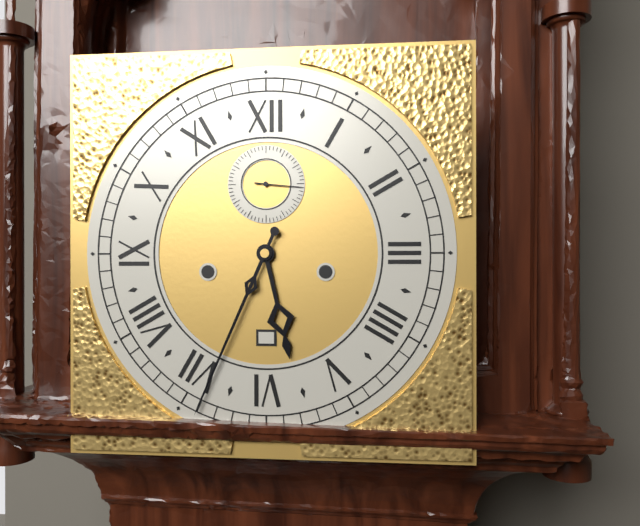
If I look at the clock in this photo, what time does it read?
5:34
